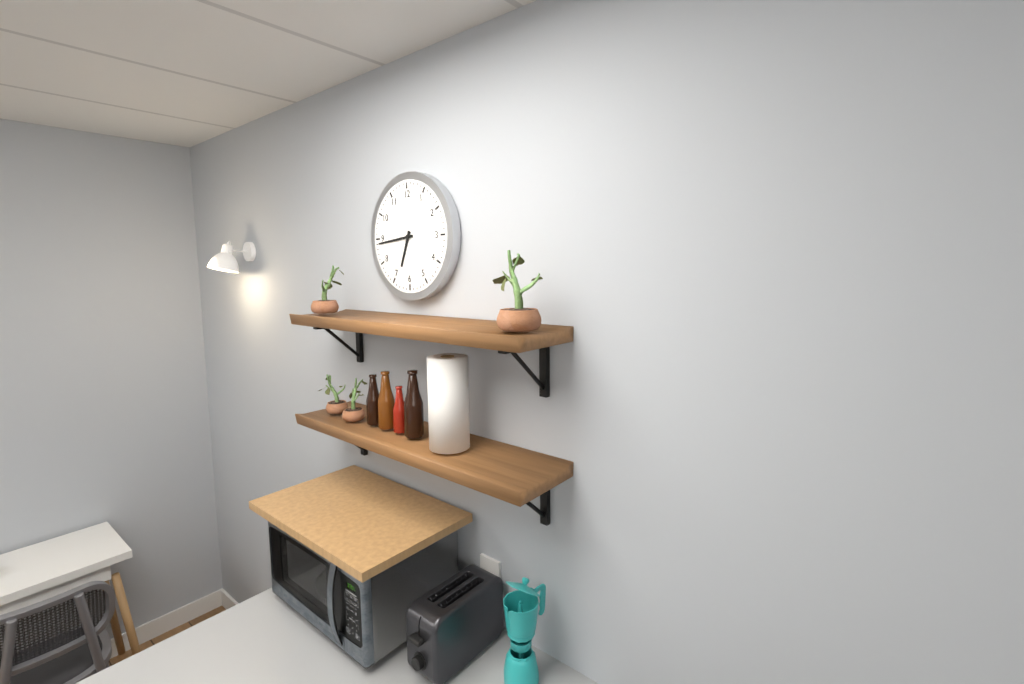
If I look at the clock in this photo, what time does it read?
6:44
